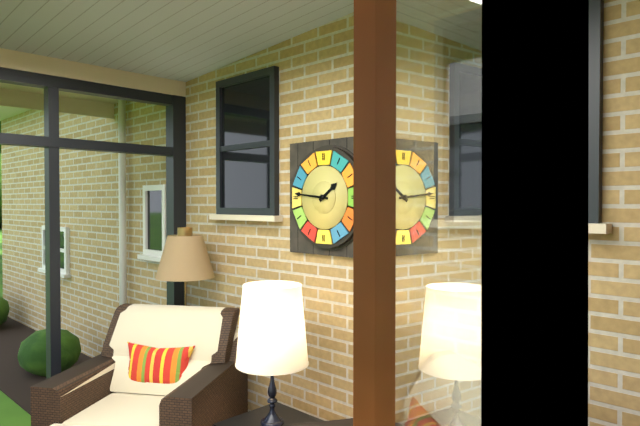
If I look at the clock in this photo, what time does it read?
1:46
